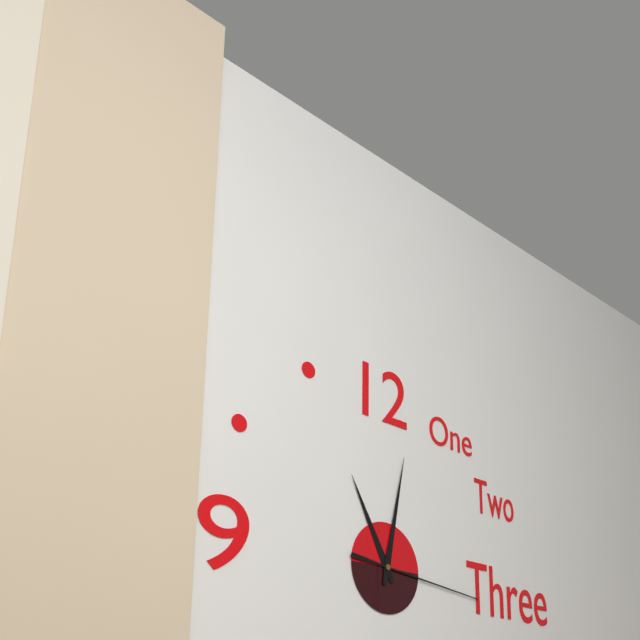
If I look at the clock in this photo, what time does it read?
11:02:16
